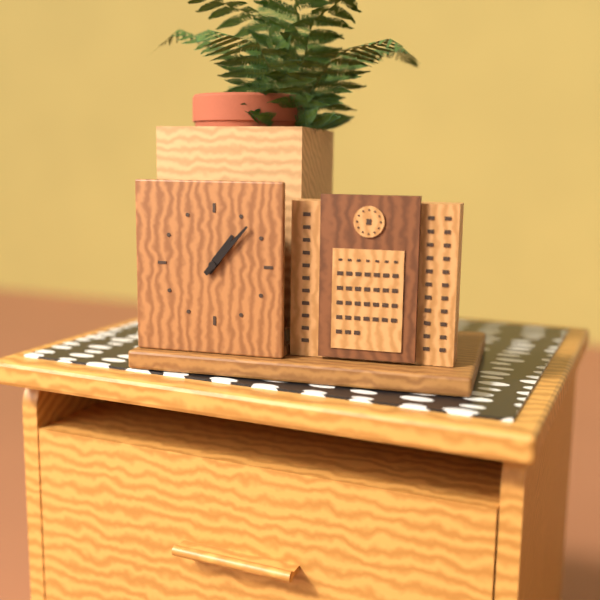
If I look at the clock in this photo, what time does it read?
1:07
